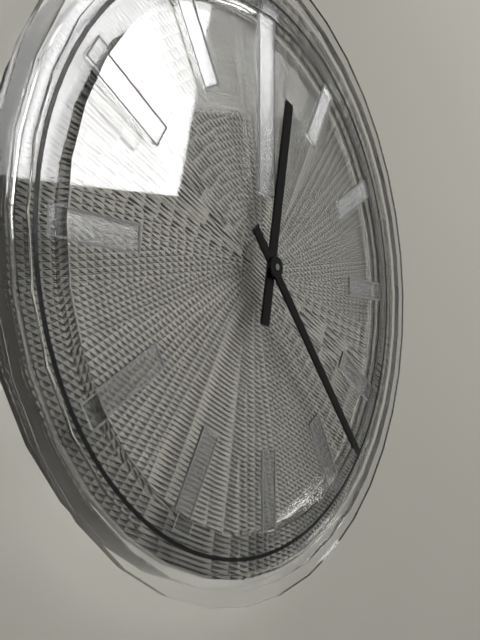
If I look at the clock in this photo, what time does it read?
12:23
